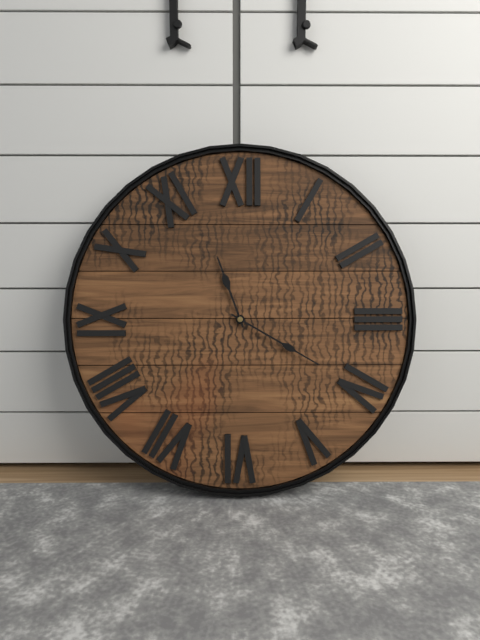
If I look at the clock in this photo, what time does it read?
11:20
